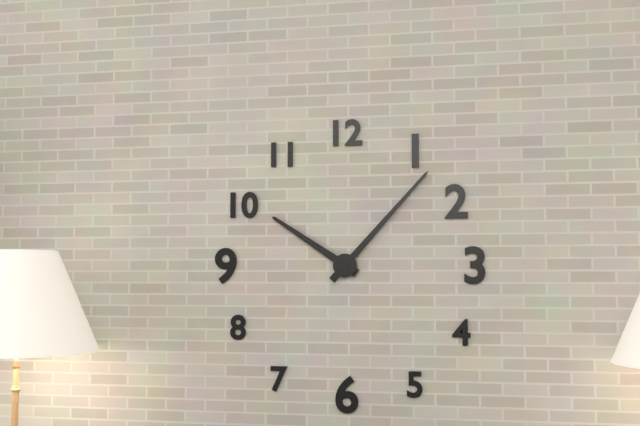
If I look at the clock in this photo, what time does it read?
10:07
